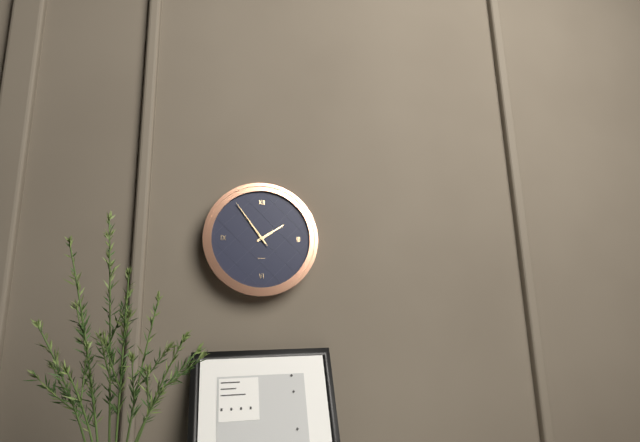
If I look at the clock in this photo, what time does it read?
1:54:54
